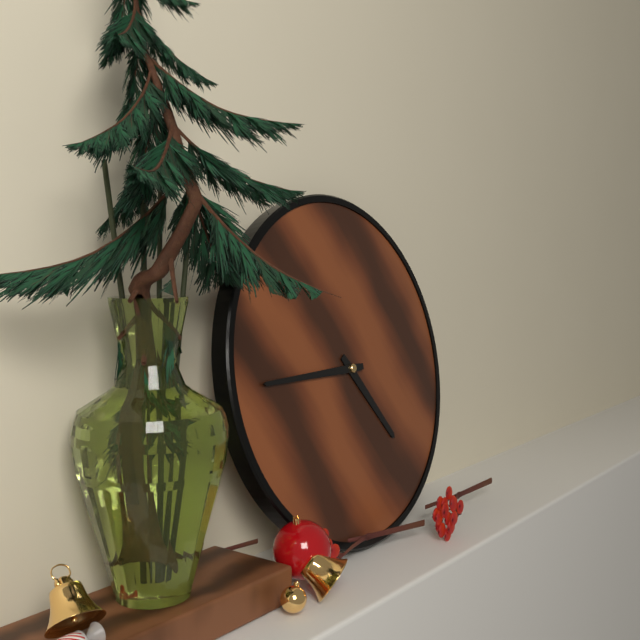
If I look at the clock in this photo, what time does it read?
4:45
